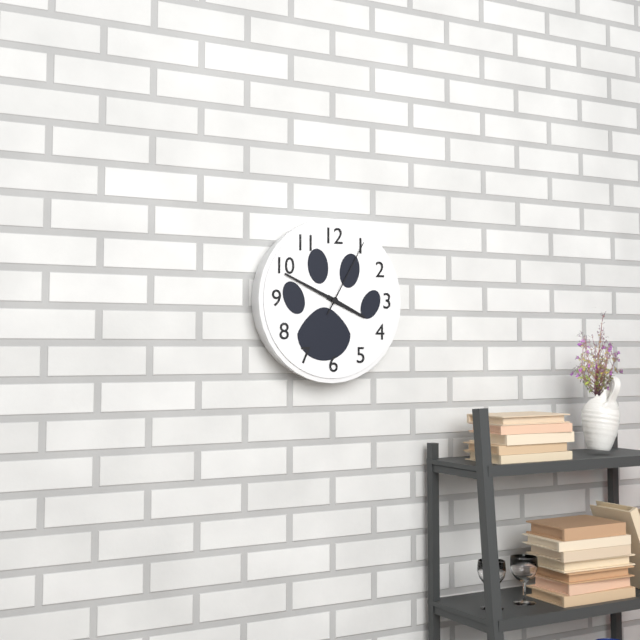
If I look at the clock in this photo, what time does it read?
3:49:05
